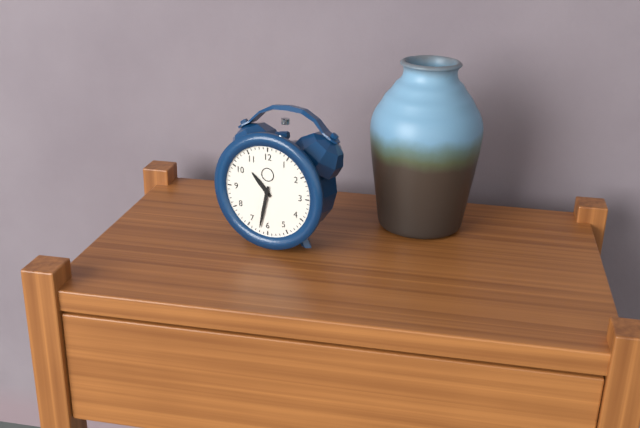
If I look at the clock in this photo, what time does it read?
10:32
